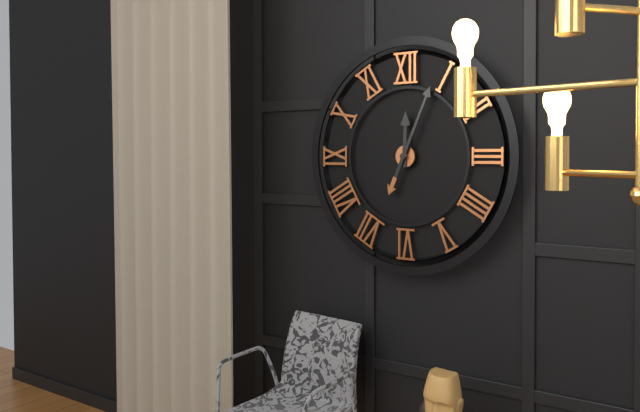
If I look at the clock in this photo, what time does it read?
12:04
